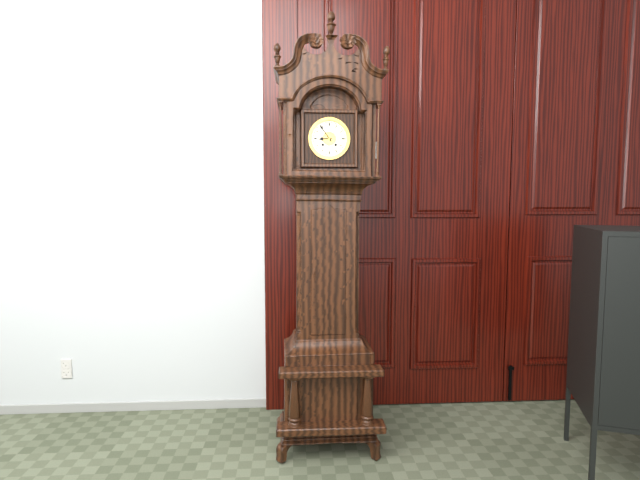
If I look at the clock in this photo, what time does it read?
8:54
